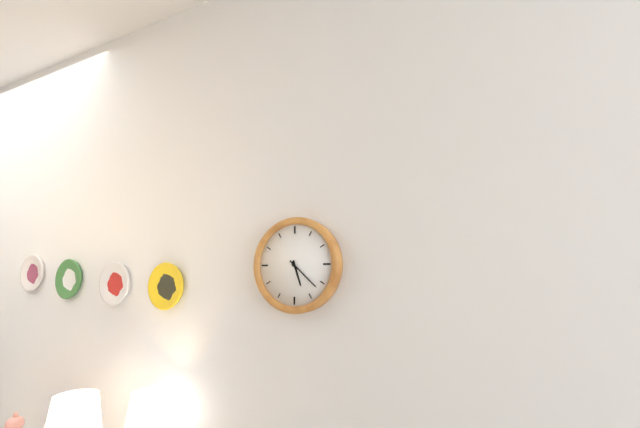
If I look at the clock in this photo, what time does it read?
5:22
